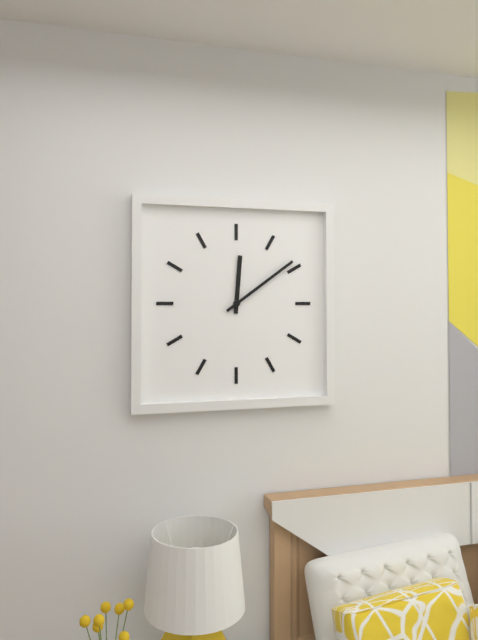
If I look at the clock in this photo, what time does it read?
12:09
